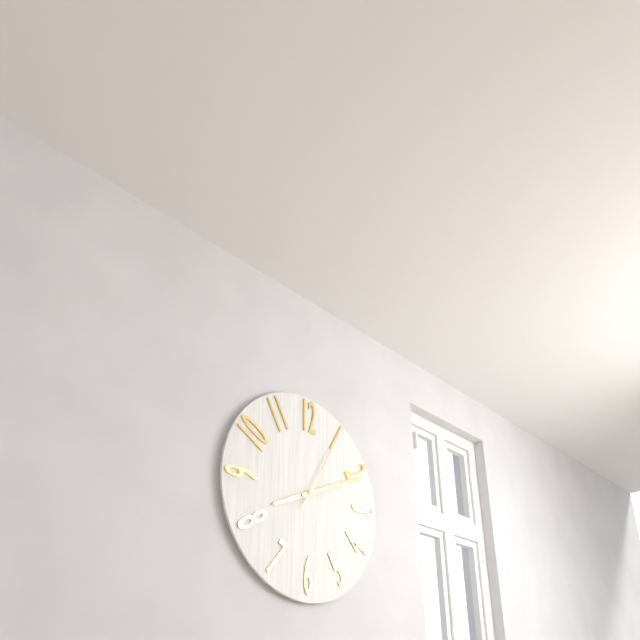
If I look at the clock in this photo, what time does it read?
8:11:05
